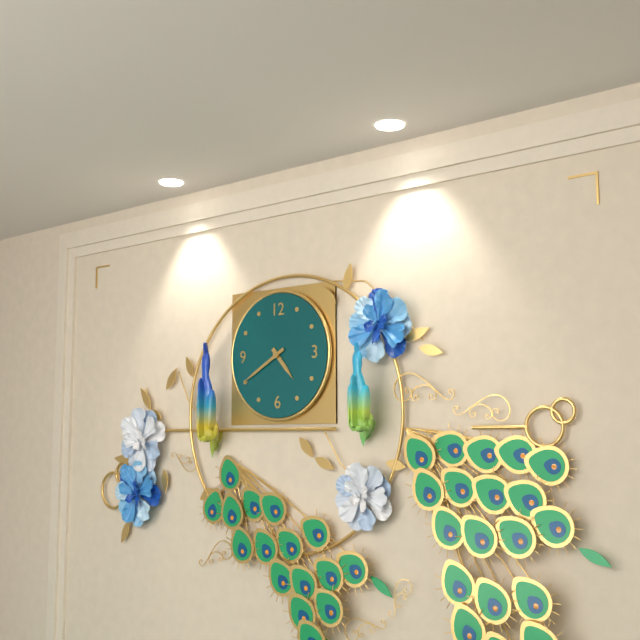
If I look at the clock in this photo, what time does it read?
4:40
